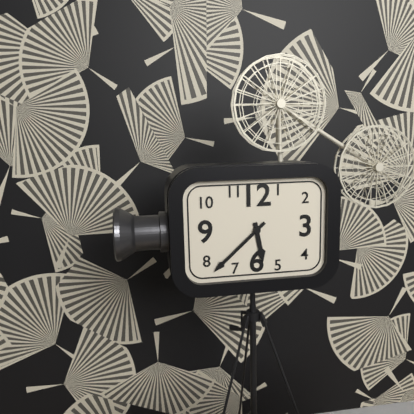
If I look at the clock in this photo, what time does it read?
5:38
